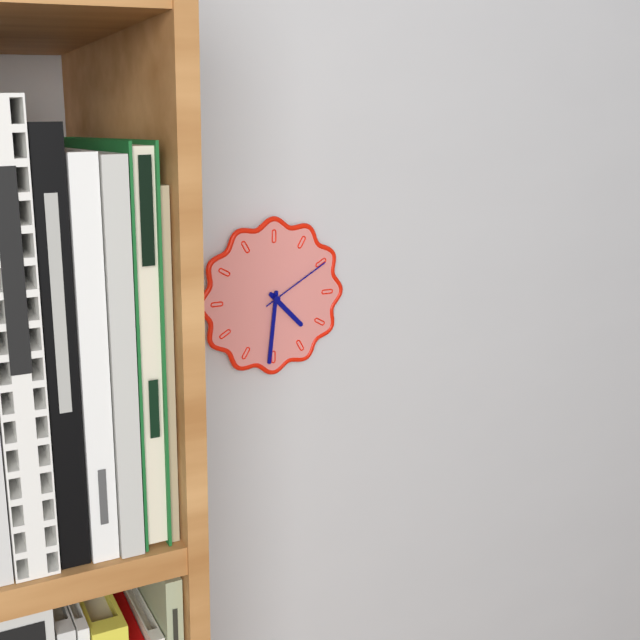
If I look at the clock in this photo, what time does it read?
4:31:10
